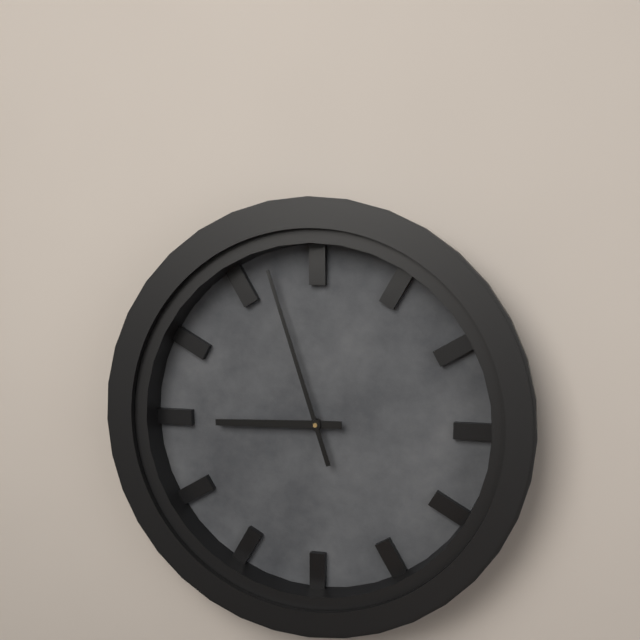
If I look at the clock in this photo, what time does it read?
8:57
